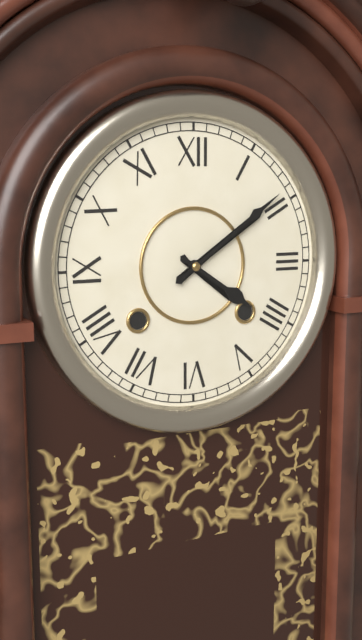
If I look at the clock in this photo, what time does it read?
4:09
